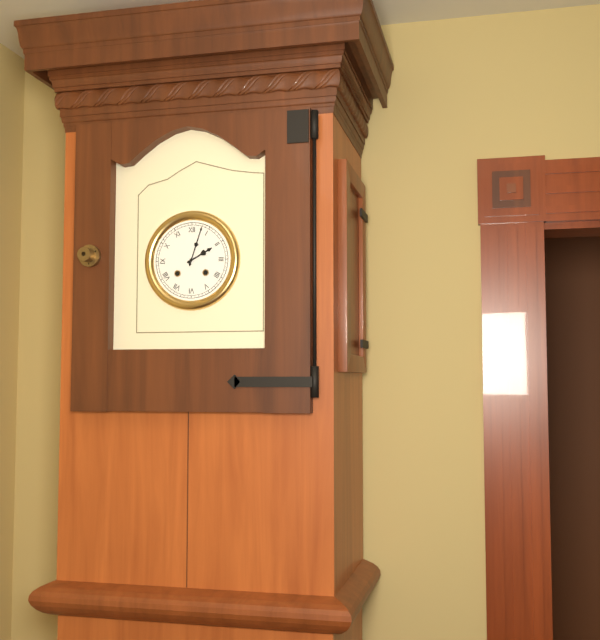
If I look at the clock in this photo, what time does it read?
2:03
